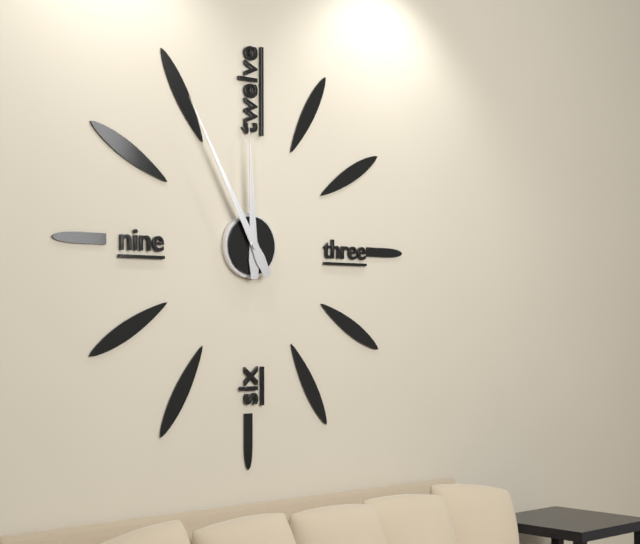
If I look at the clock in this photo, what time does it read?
11:55
